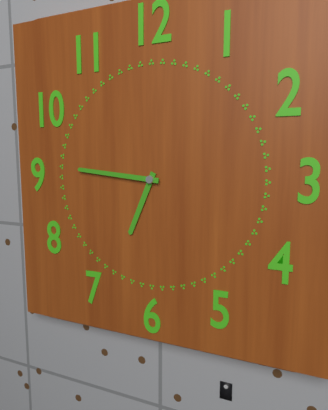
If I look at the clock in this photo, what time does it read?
6:46
